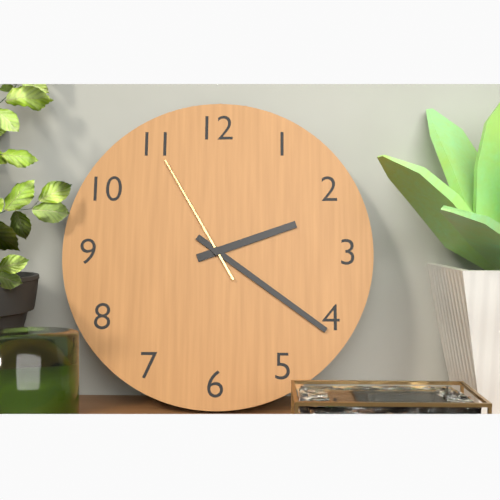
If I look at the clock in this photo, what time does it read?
2:21:55
